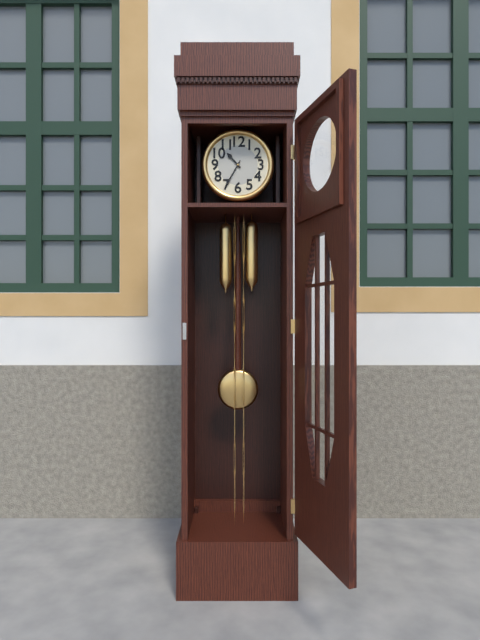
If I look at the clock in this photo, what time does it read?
10:35
